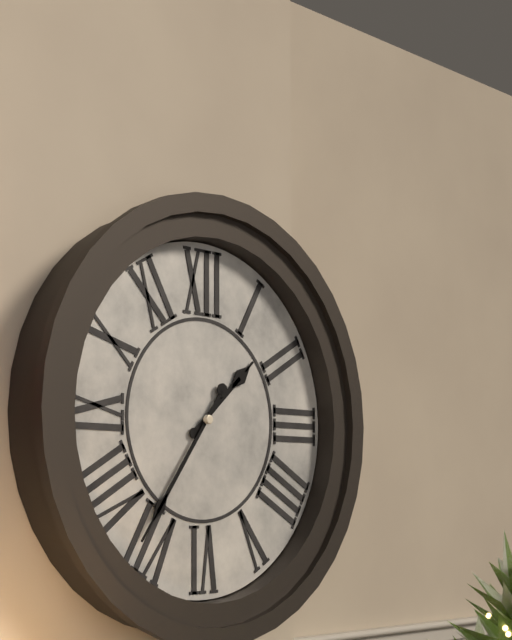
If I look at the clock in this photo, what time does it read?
1:36
